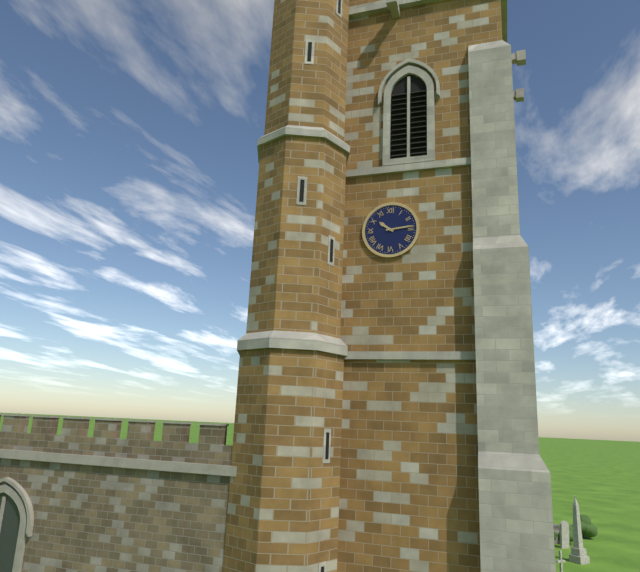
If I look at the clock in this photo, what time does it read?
10:14
